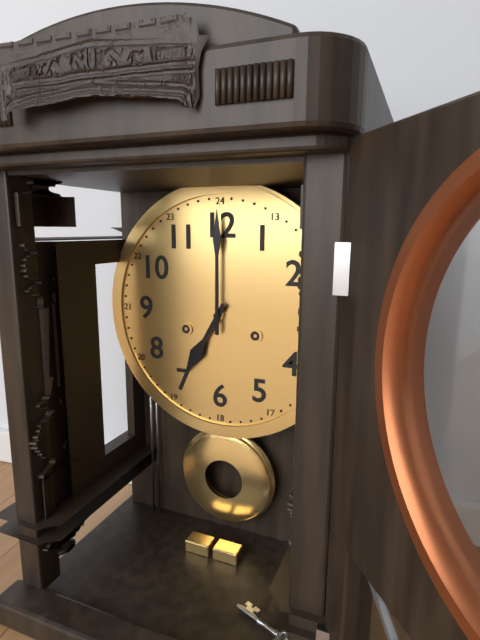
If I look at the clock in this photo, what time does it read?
7:00
